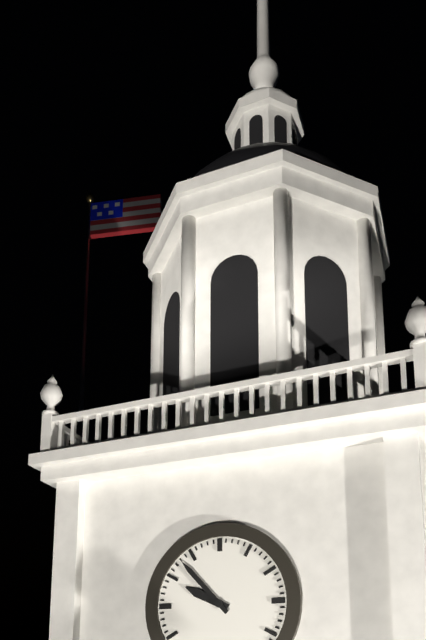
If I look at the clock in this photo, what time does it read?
9:53
